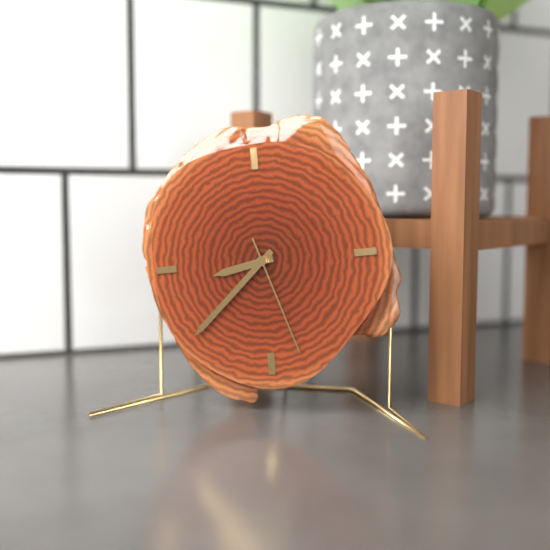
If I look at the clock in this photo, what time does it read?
8:38:27
